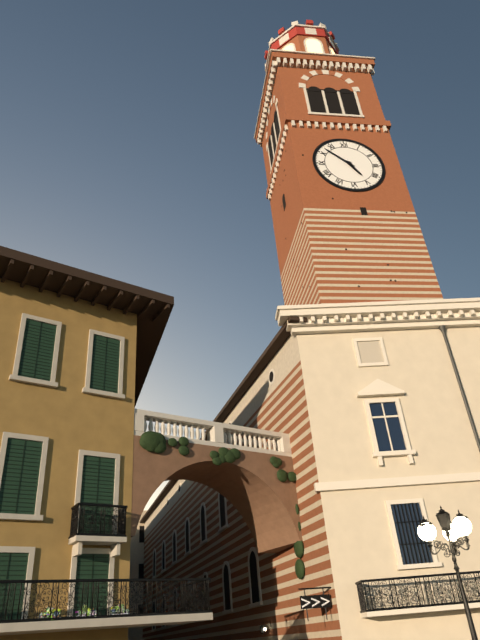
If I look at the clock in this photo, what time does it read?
4:52
